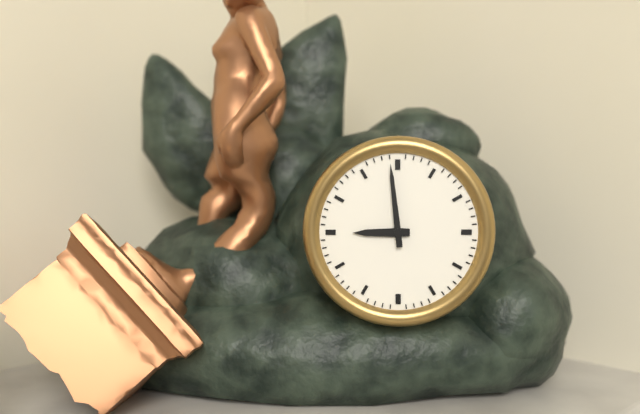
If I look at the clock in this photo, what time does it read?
8:59
